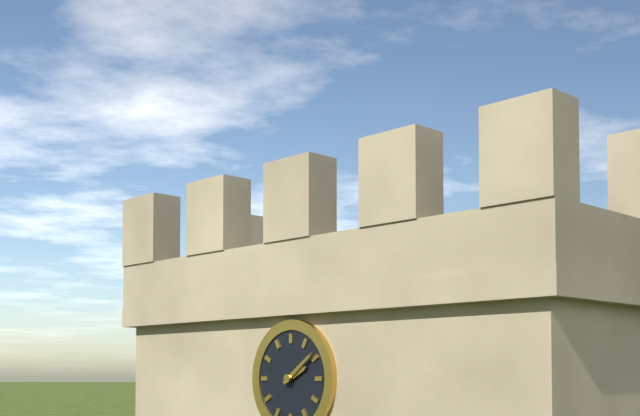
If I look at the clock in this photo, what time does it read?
2:09
